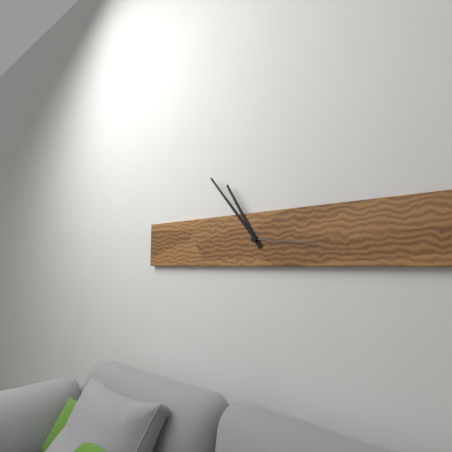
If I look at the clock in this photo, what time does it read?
10:53:16
